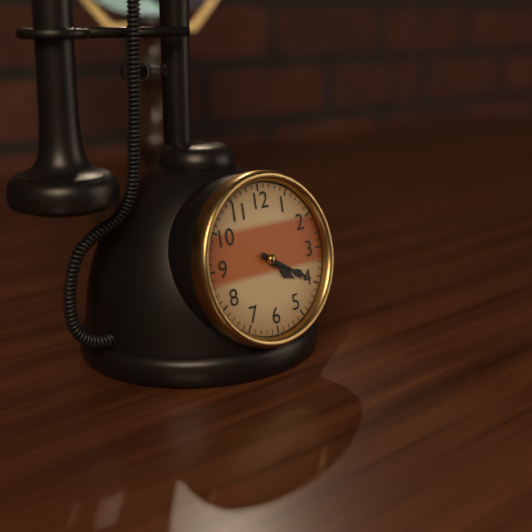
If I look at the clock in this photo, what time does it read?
4:20
